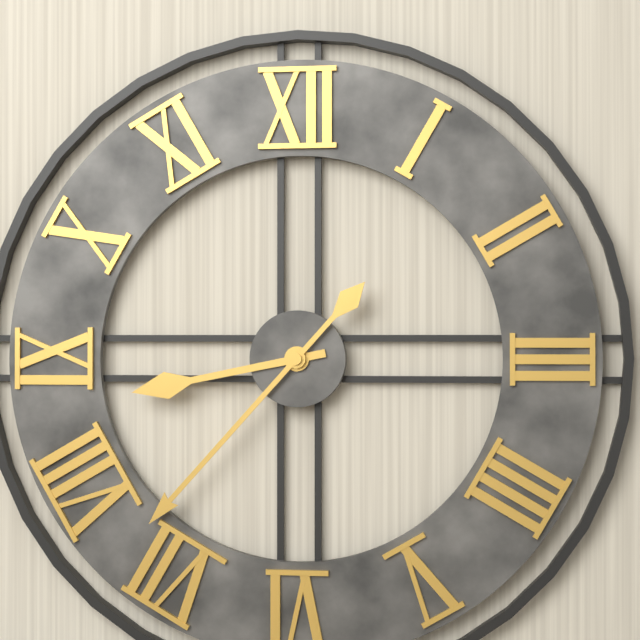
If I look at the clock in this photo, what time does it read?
8:37
